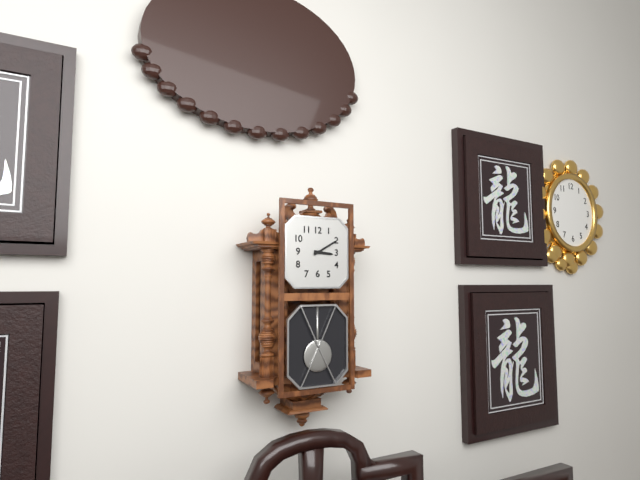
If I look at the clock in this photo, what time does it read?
3:10
